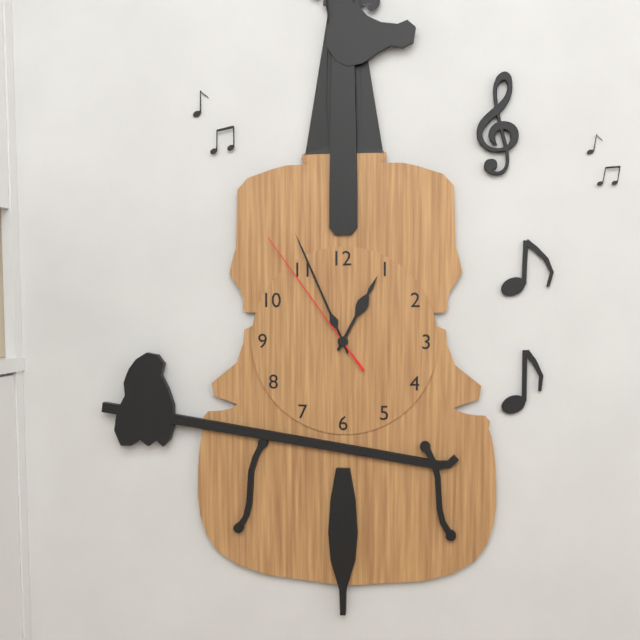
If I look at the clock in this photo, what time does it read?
12:56:54
